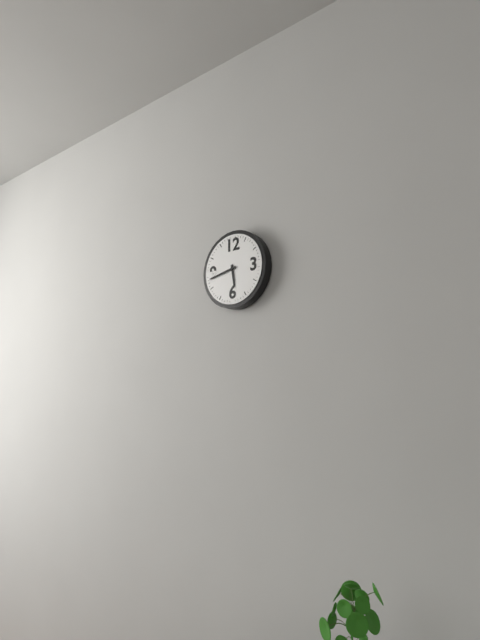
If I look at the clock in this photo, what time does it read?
5:43
